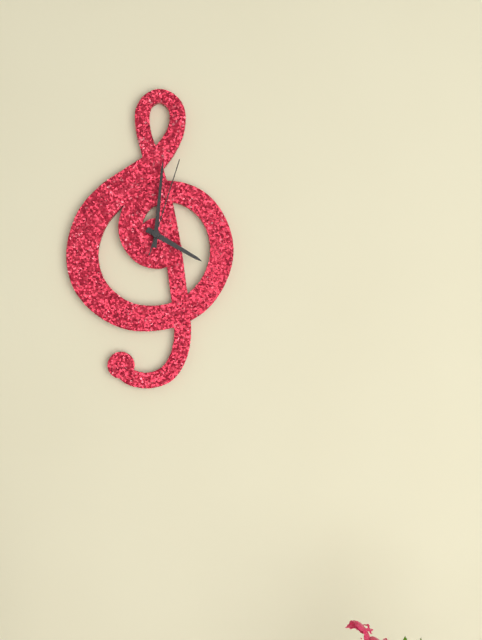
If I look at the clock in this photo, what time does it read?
4:01:03
